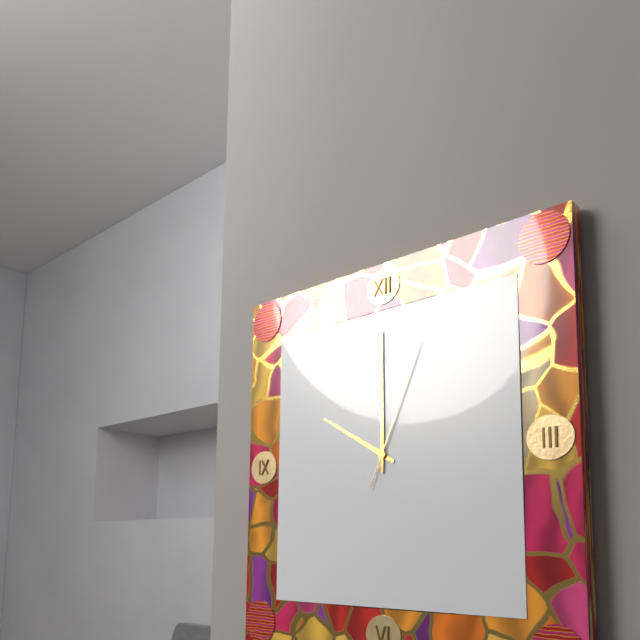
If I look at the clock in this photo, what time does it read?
10:00:04
